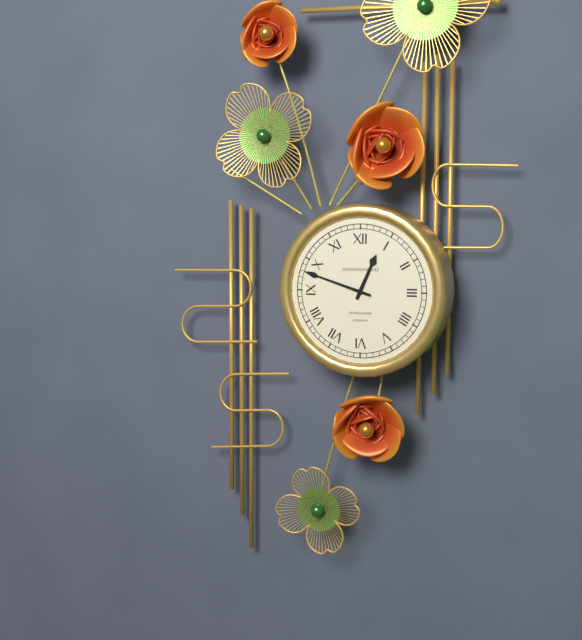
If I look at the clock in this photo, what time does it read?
12:48
